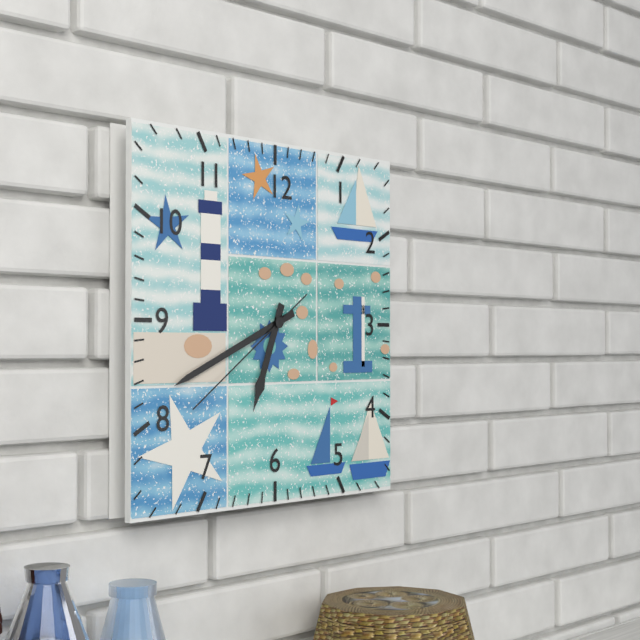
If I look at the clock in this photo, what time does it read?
6:41:39
